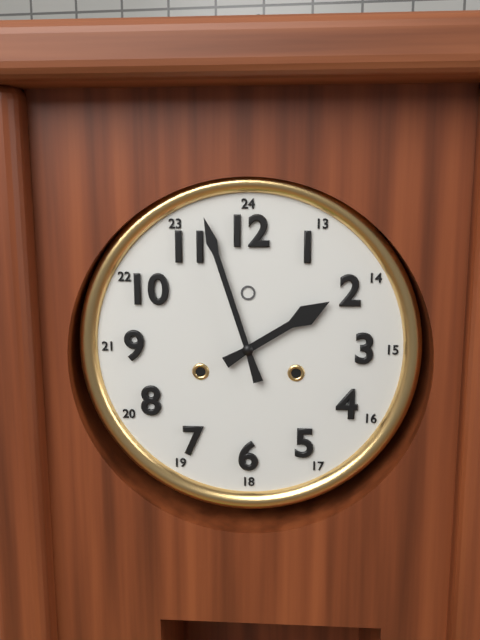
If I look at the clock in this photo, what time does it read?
1:57
